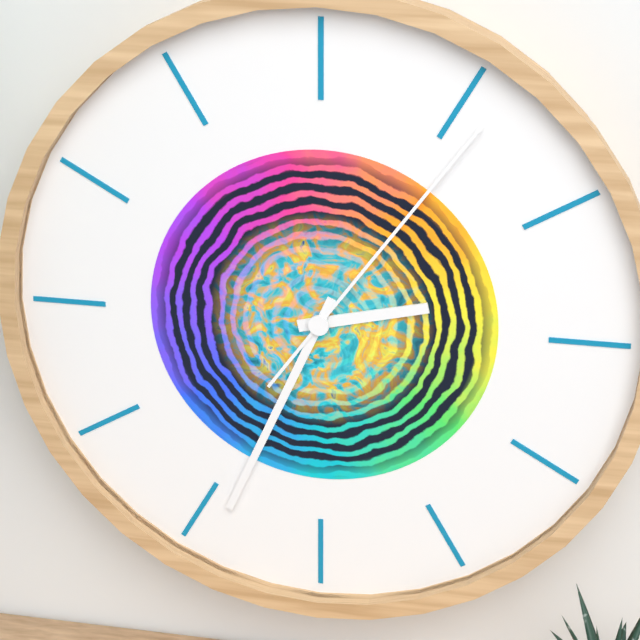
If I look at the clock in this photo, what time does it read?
2:34:06
